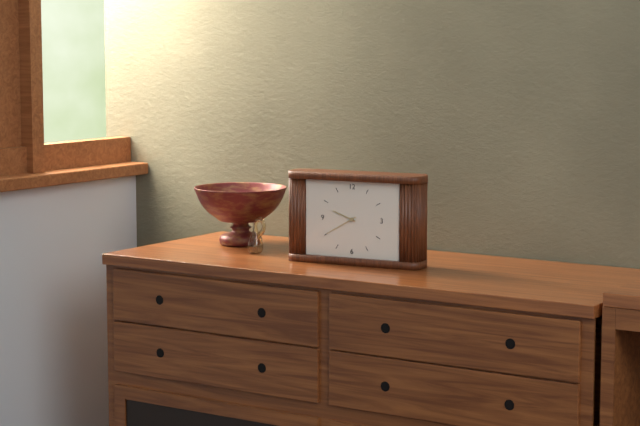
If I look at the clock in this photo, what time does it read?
9:40
